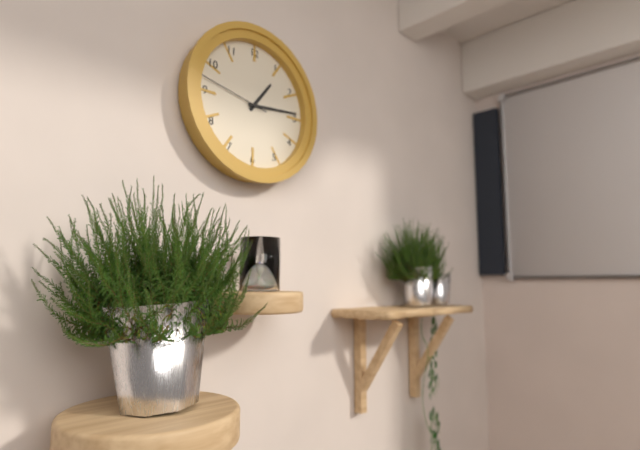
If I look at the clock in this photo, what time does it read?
1:14:47
